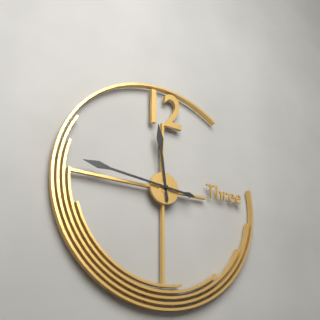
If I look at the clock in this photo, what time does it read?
11:46
